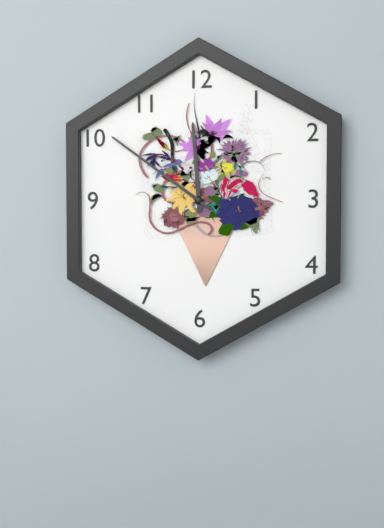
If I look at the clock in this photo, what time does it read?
11:51
